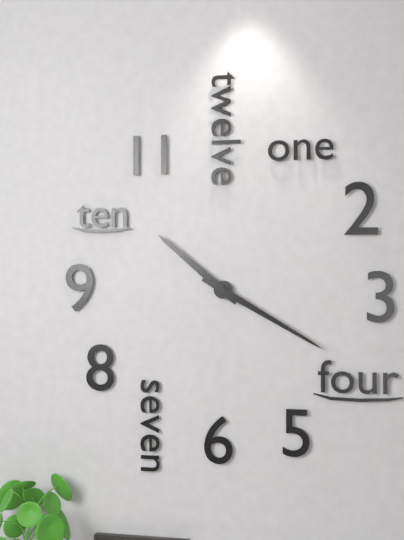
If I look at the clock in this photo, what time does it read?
10:20
